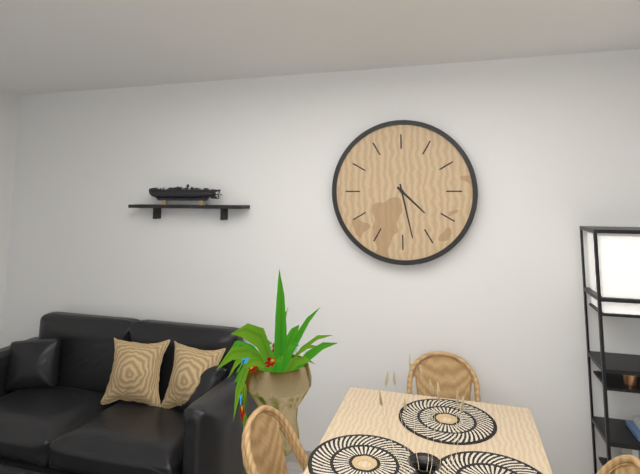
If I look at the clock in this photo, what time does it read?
4:28
